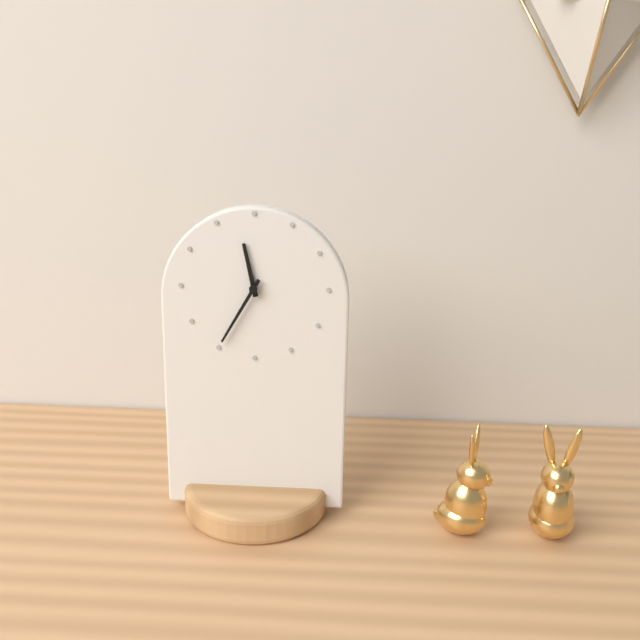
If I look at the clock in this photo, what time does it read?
11:35
